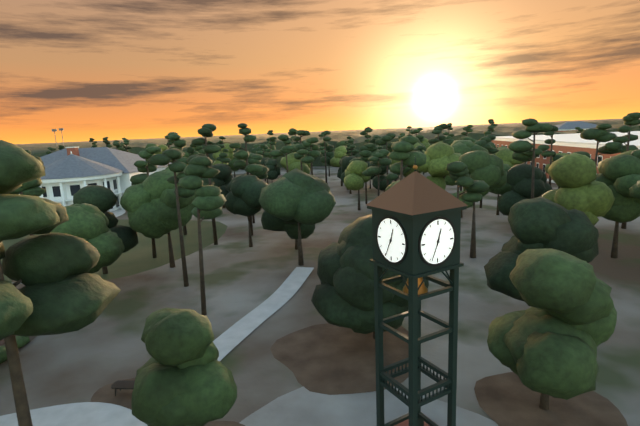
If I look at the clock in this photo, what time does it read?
12:34
